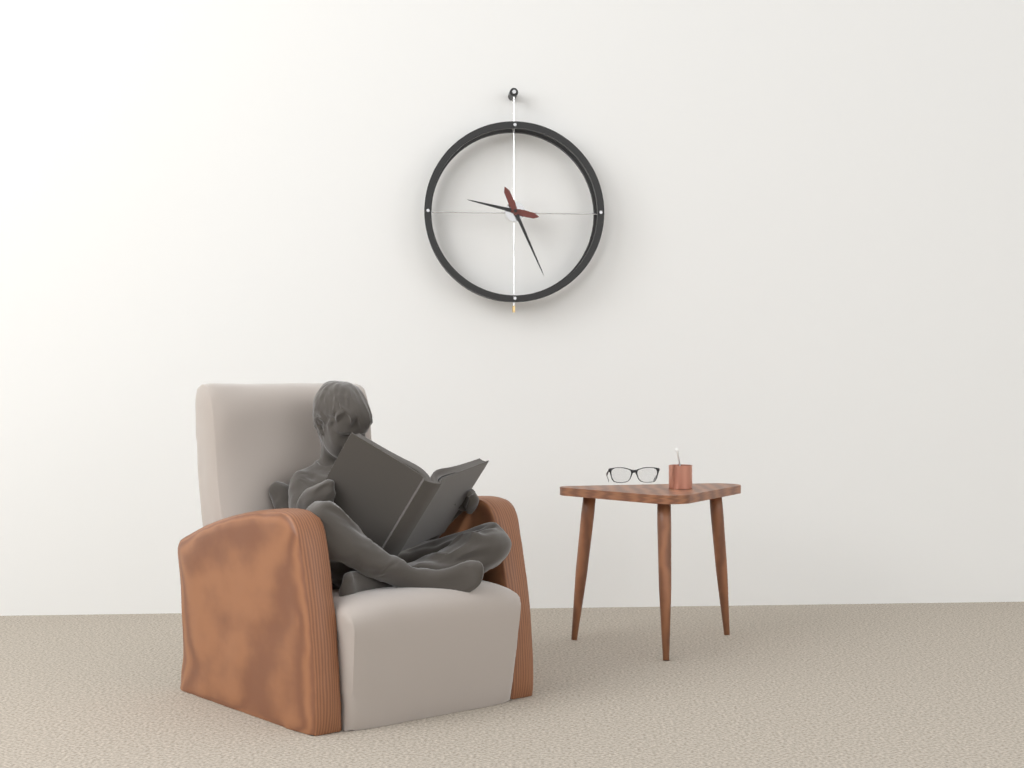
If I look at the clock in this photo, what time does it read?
9:26
